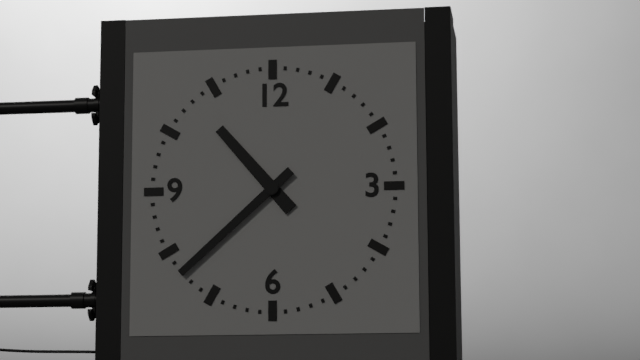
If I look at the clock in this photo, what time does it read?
10:38
